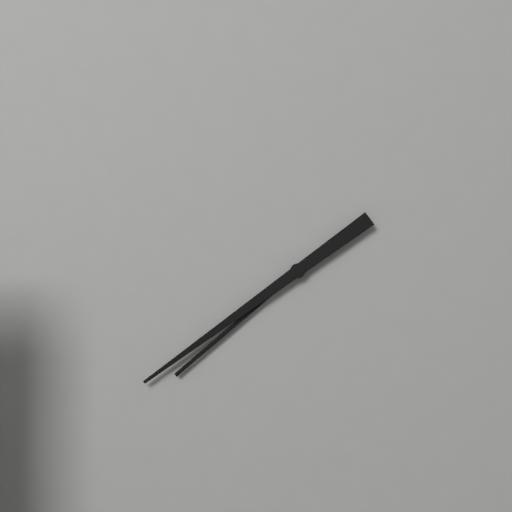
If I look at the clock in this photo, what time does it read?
7:39
